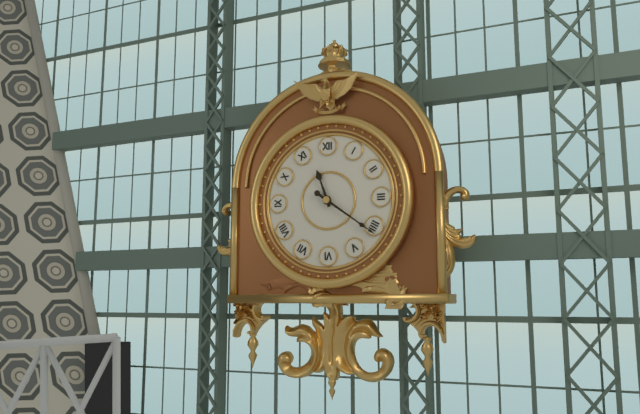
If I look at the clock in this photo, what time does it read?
11:21
